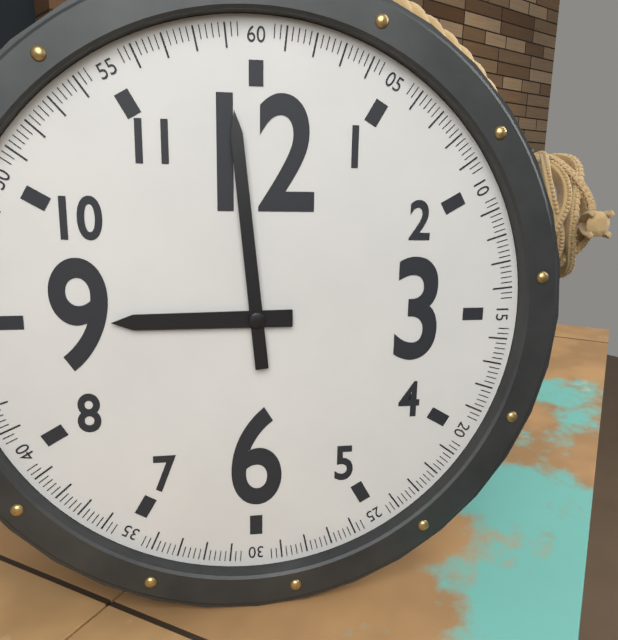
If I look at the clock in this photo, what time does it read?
8:59
